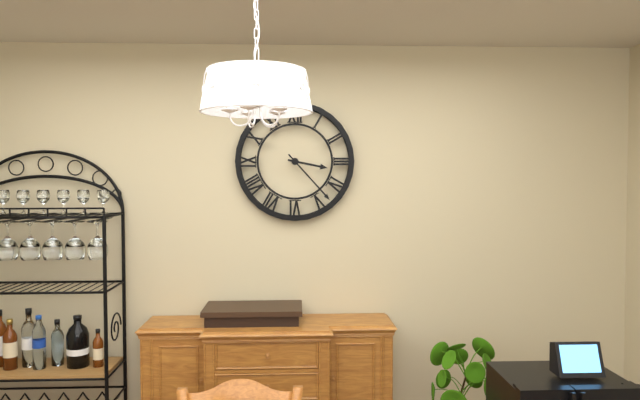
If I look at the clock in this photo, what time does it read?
3:23
